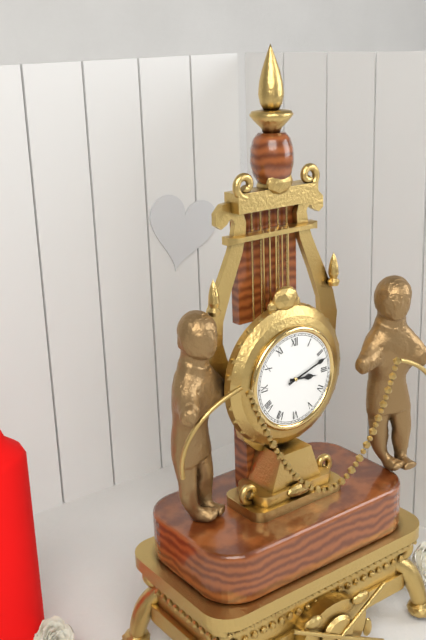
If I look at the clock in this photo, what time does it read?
3:12
